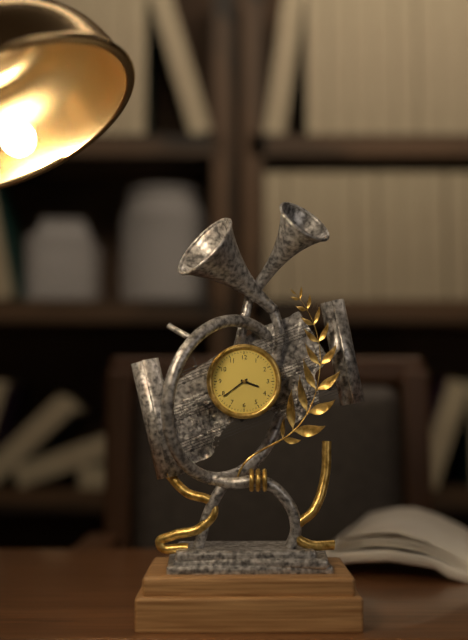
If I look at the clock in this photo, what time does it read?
3:39
